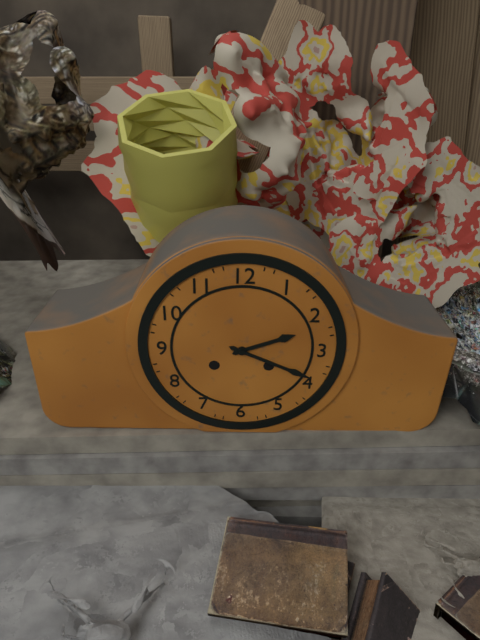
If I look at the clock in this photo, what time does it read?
2:19
